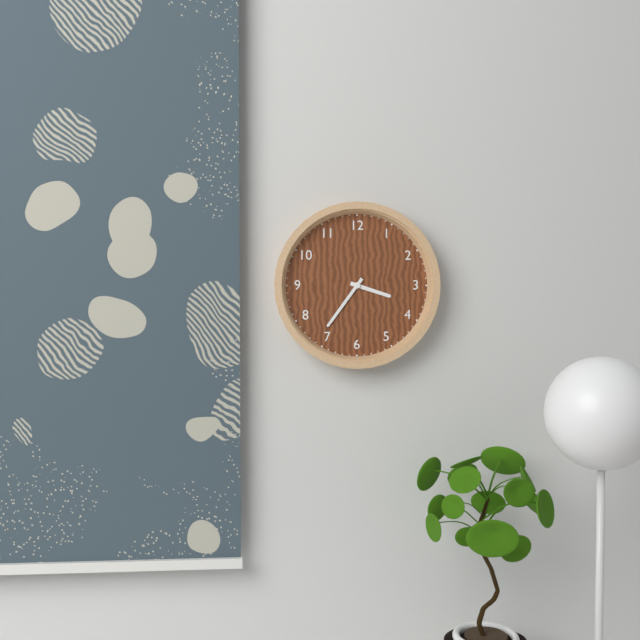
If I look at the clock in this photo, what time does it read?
3:36
